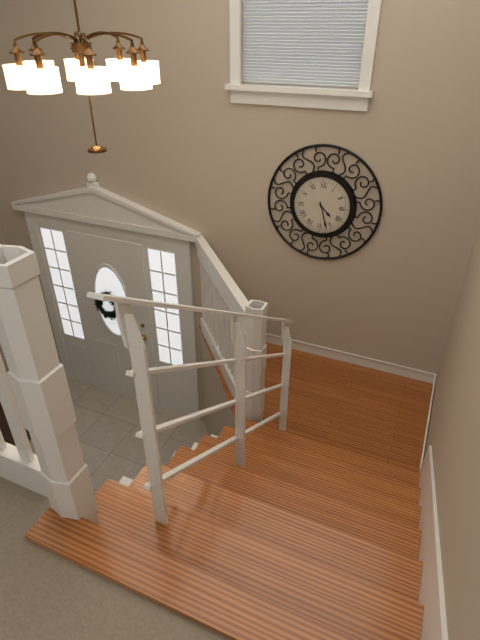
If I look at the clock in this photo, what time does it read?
4:27
